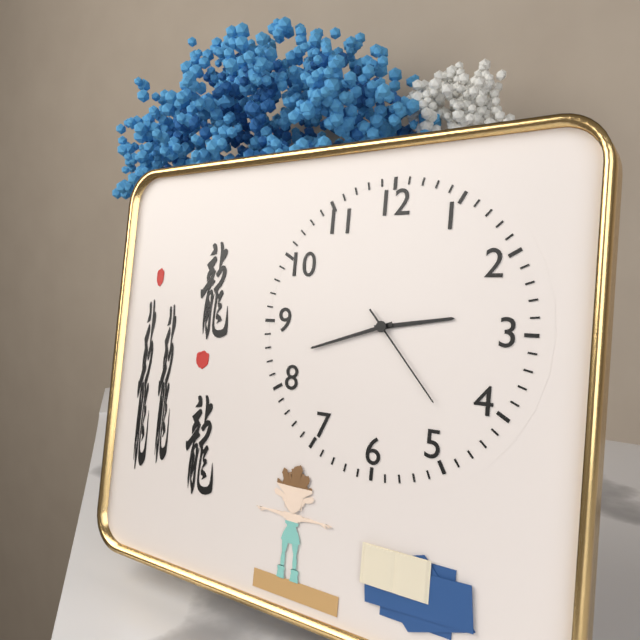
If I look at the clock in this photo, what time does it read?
2:42:23
